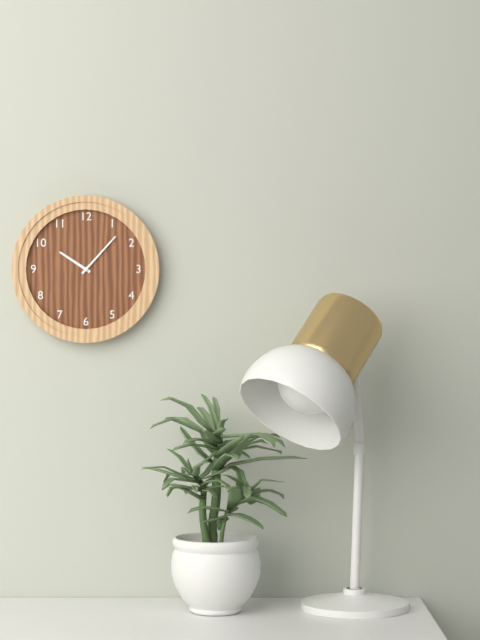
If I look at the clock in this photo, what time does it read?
10:07
